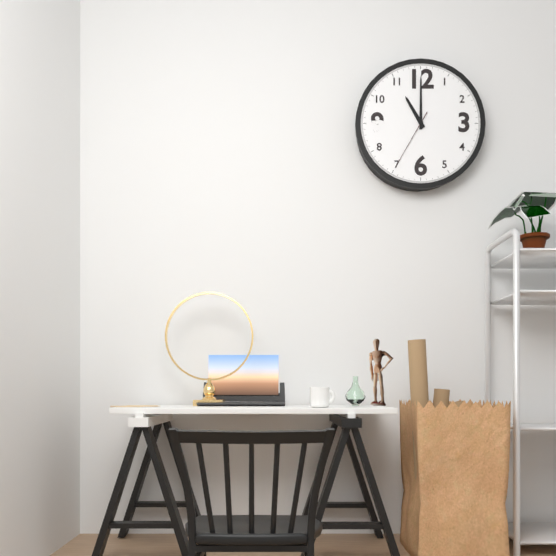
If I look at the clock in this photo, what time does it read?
11:00:35
